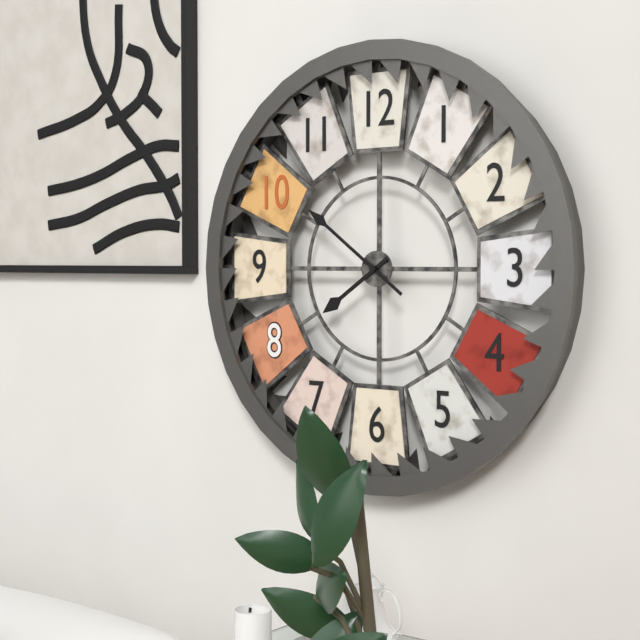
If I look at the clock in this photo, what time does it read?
7:51
